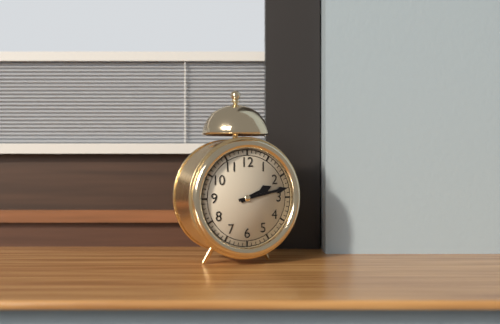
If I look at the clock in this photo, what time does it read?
2:13
